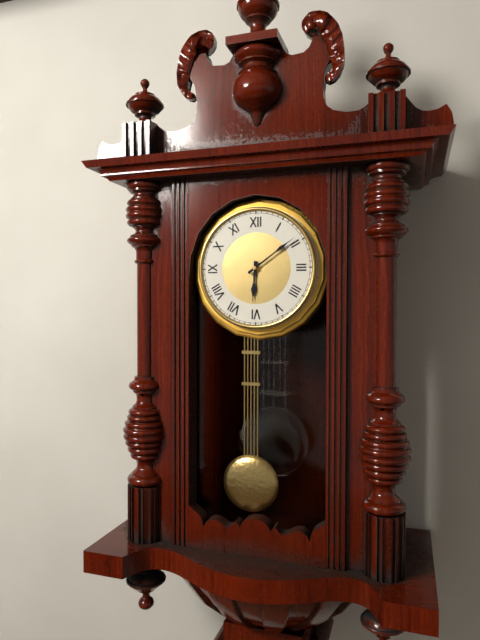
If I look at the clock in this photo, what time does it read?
6:09
